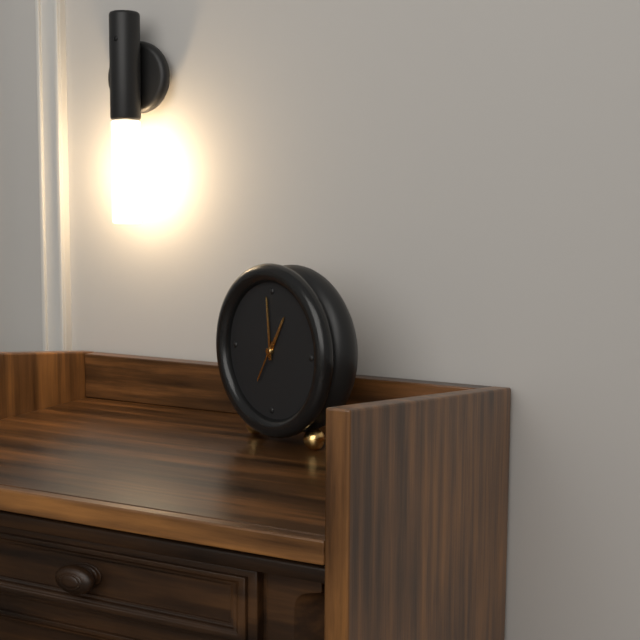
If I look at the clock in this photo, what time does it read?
12:59
